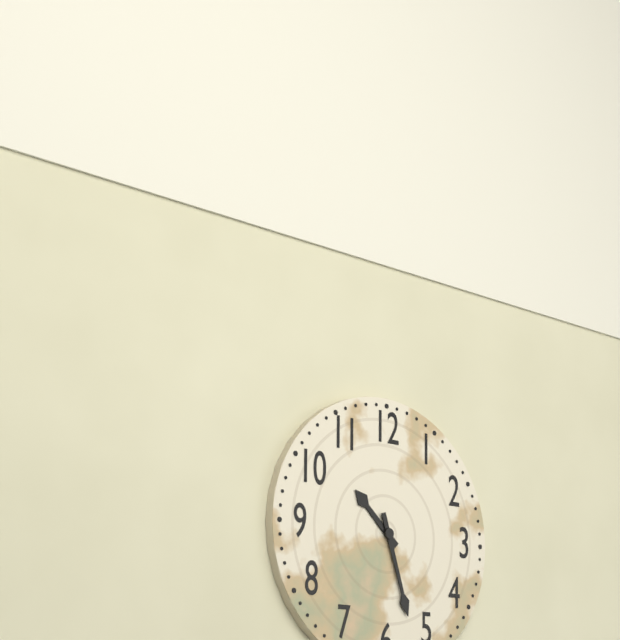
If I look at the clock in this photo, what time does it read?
10:27
